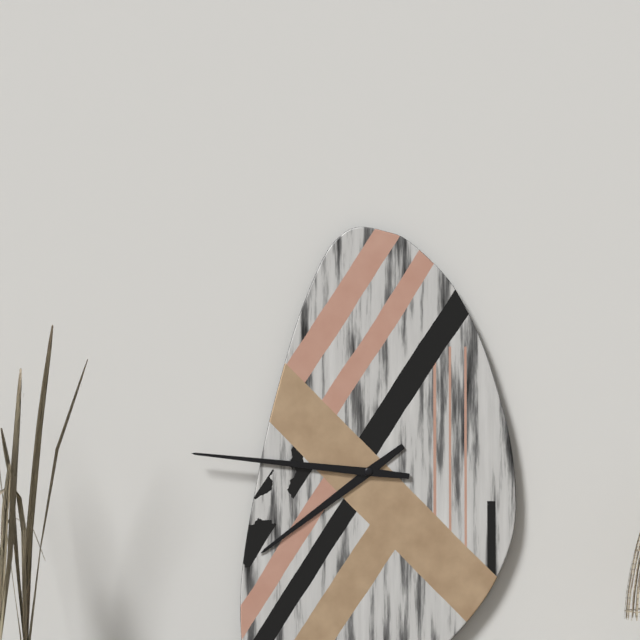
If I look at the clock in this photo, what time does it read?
7:46
